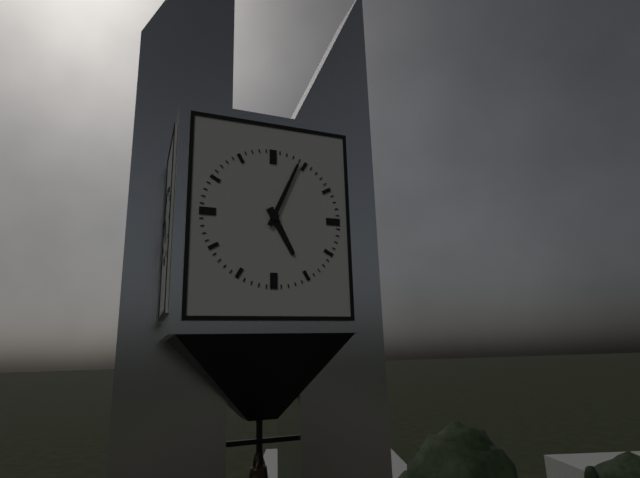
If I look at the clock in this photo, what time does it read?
5:04
